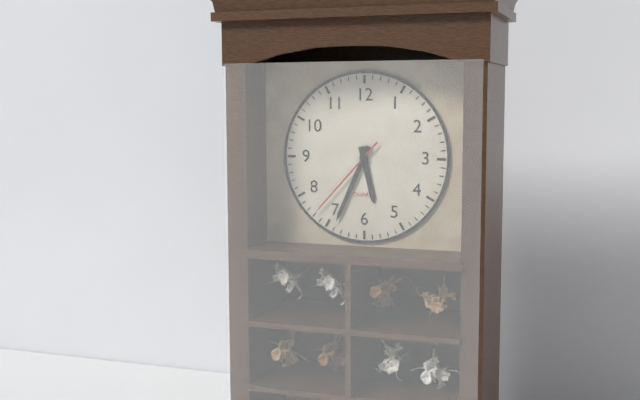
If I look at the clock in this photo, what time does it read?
5:34:37
